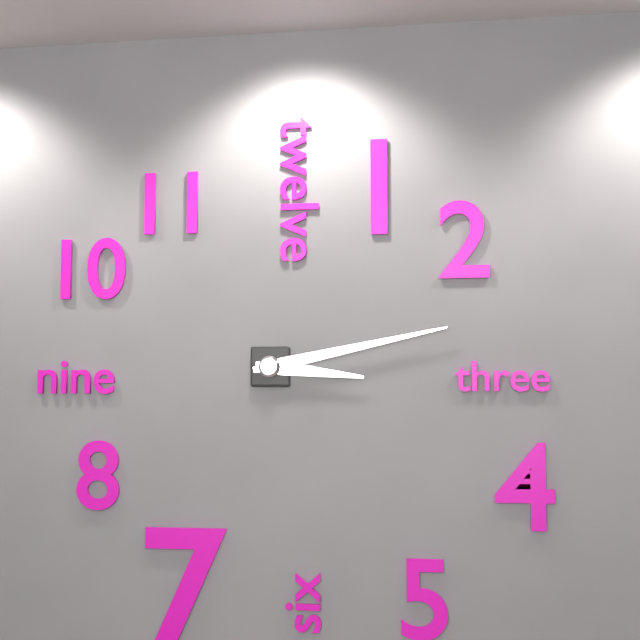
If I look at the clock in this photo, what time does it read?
3:13
